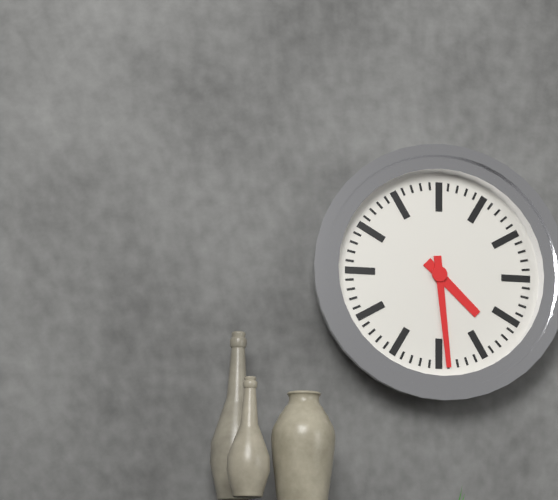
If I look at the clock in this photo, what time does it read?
4:29
